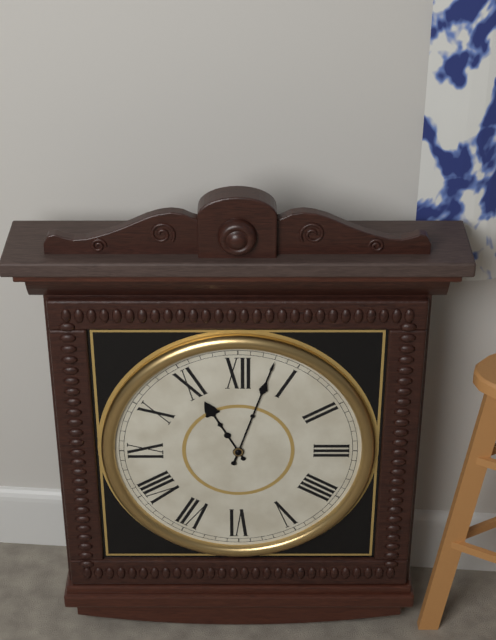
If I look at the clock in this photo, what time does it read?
11:03
